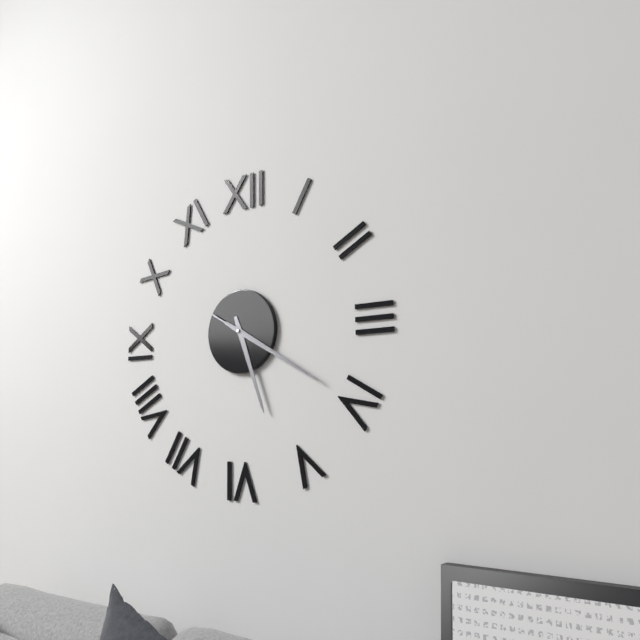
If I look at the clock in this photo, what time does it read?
5:20:20
